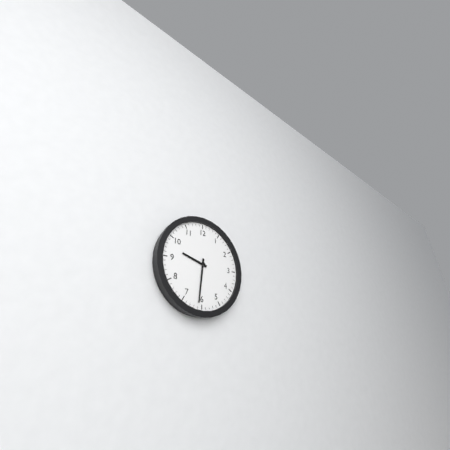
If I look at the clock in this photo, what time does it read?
9:31
